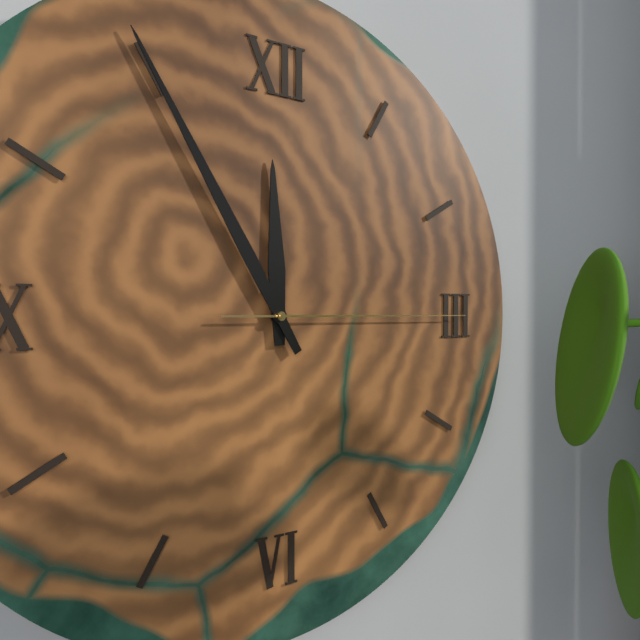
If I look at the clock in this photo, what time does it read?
11:55:15
